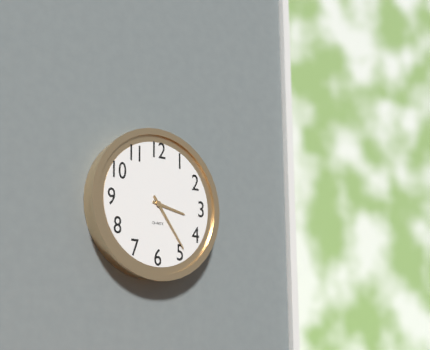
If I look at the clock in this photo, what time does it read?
3:24
